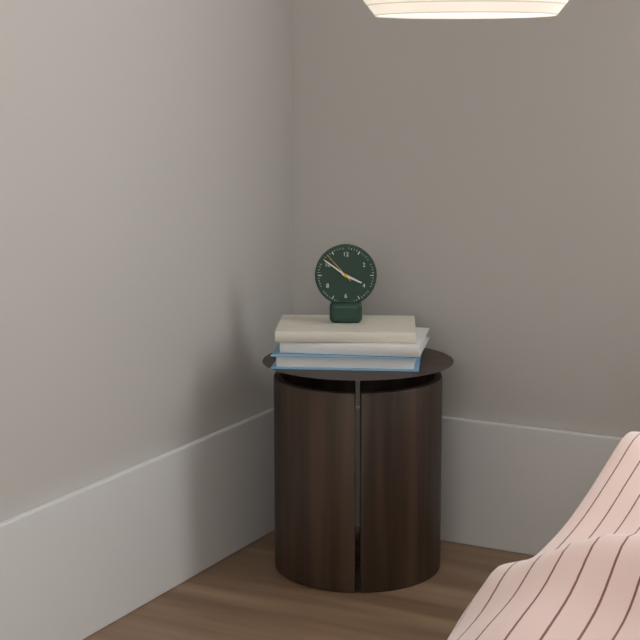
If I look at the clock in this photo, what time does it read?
3:51
